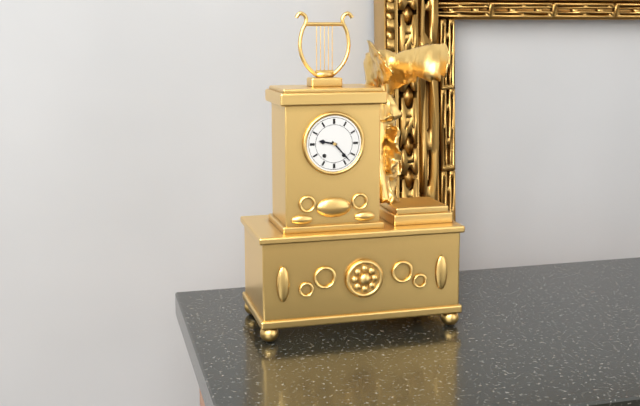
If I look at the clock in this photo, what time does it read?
9:23
